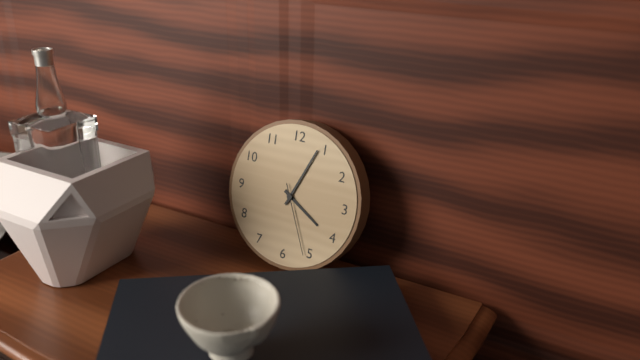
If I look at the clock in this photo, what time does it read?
4:04:26
